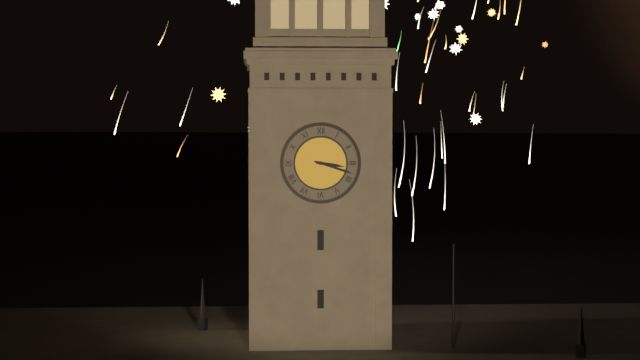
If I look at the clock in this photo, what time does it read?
3:18
